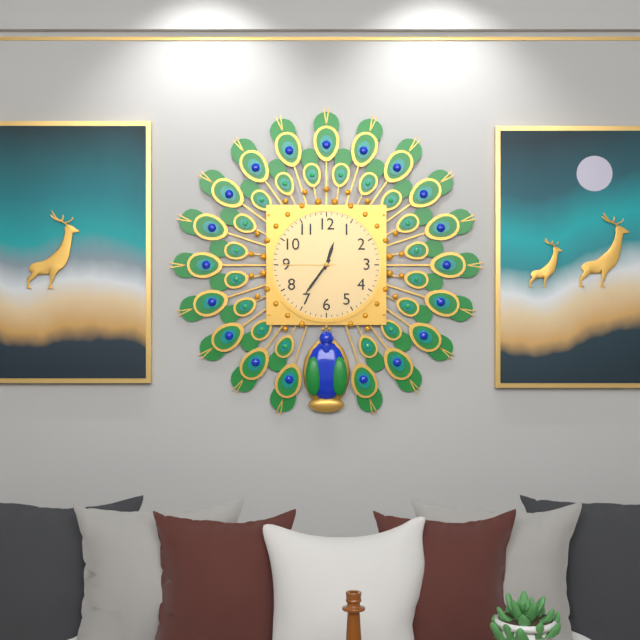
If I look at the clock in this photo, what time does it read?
12:36:45
